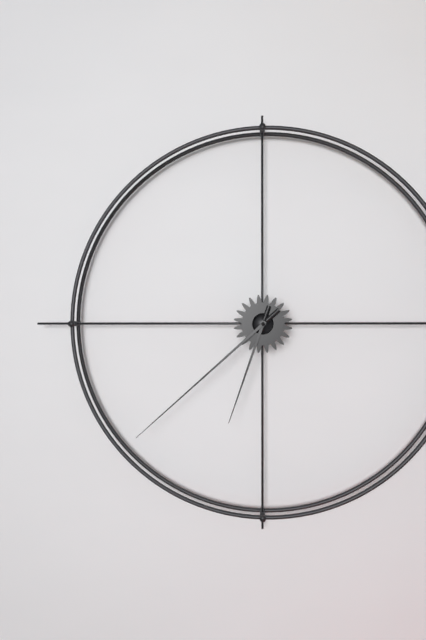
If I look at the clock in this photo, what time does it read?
6:38
